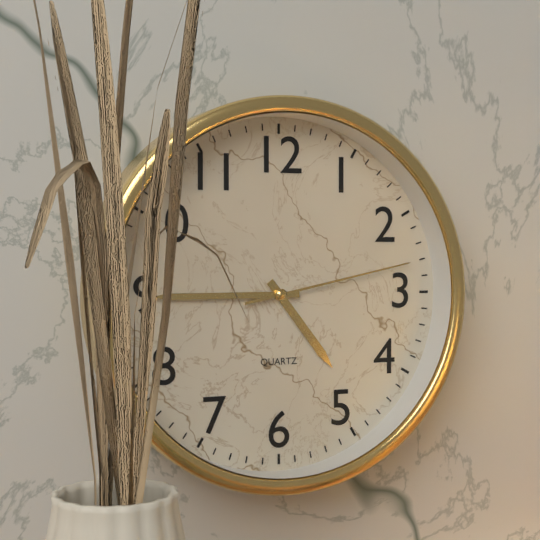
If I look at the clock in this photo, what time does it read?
4:45:13
